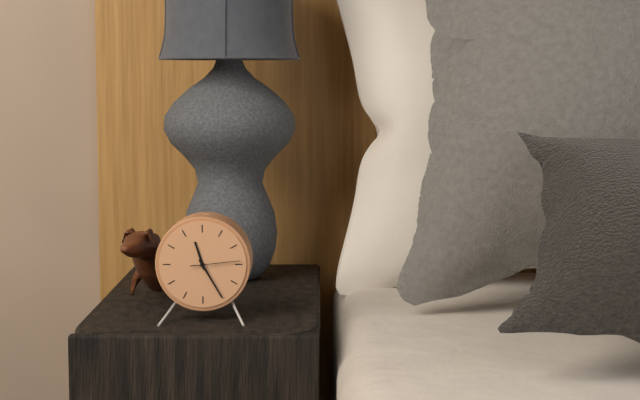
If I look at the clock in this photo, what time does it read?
11:25
